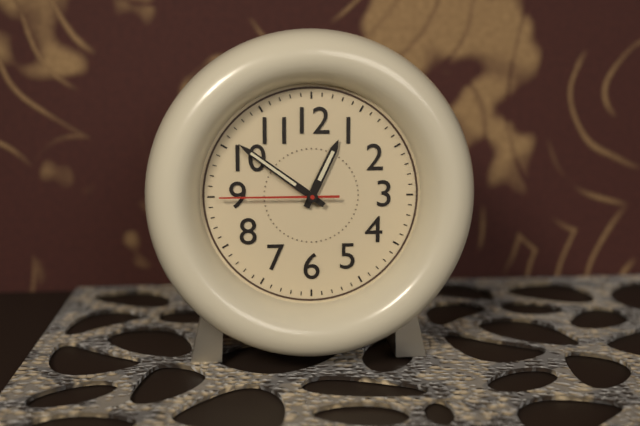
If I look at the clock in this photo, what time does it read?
12:51:45
